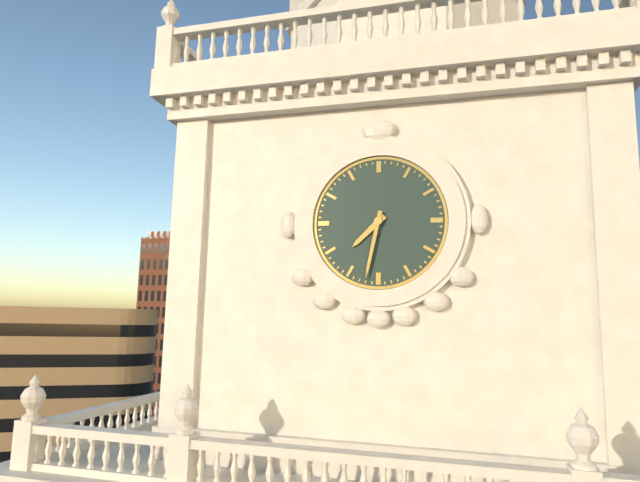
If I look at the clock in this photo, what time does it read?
7:32
